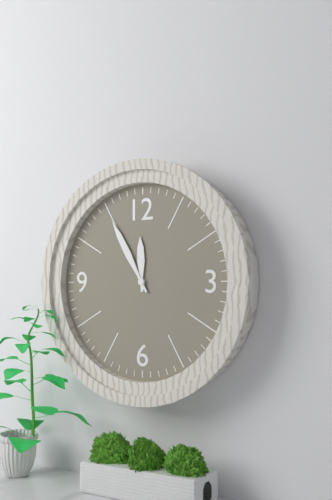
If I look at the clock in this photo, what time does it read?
11:55
